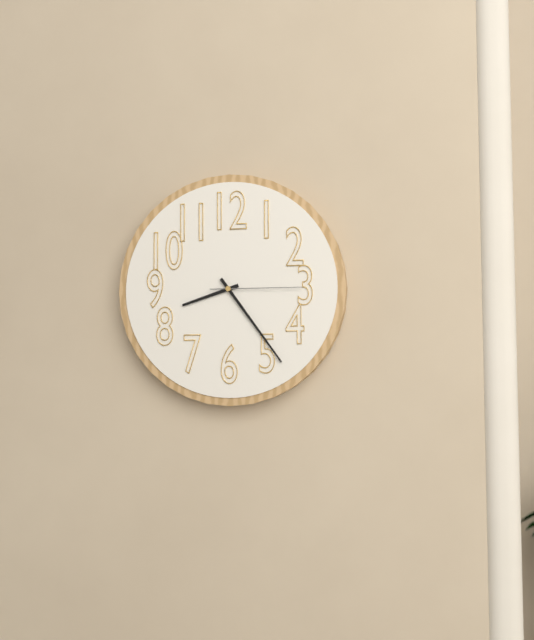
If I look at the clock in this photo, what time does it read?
8:24:15
